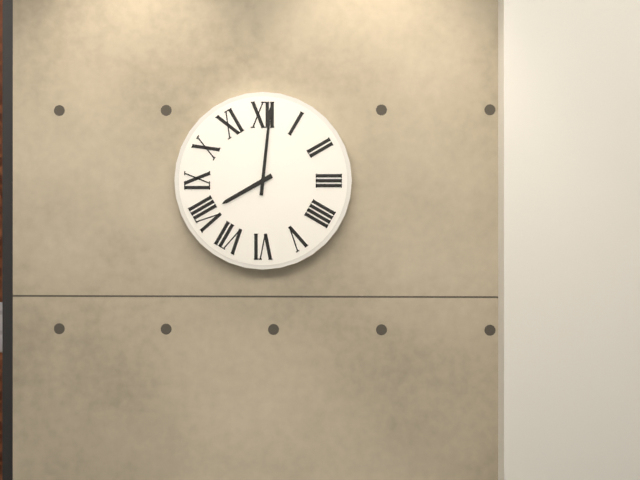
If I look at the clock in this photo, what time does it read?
8:01
